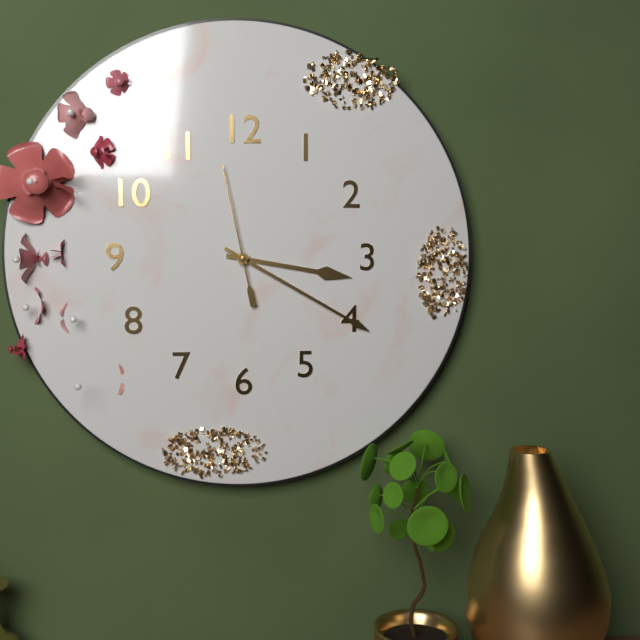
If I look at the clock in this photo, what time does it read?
3:20:58
